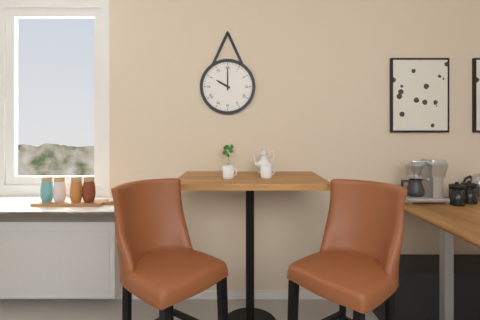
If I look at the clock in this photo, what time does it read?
10:00
